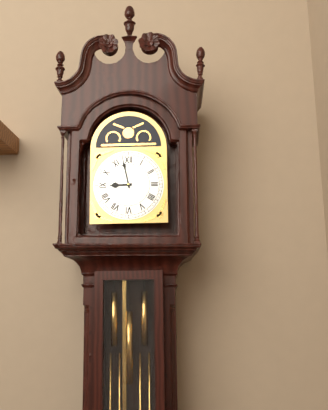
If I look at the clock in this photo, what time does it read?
8:58
